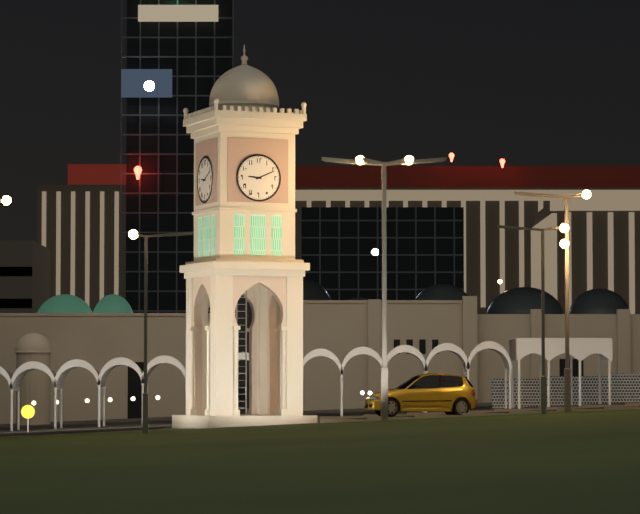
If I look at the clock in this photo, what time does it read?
9:11
